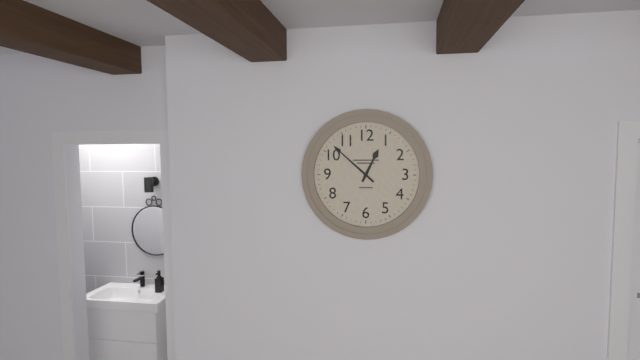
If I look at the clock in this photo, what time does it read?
12:52
